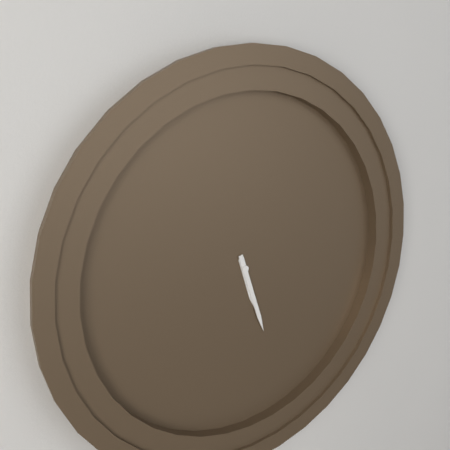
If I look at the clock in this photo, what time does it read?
5:27
